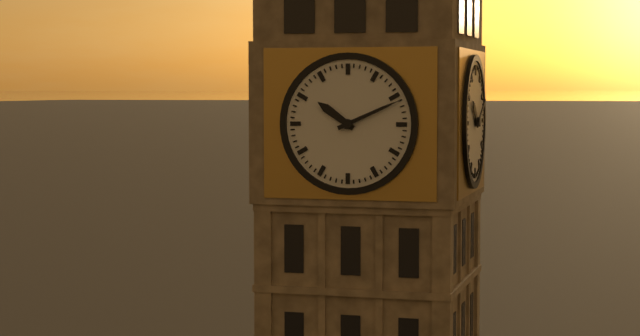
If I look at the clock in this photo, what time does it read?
10:11
